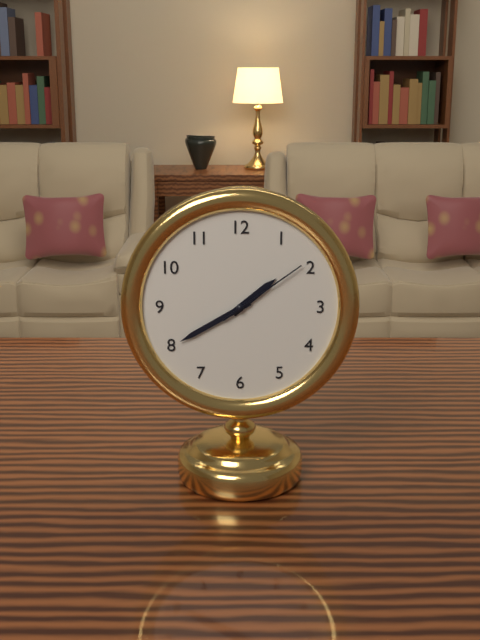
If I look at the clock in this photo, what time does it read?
1:40:09
